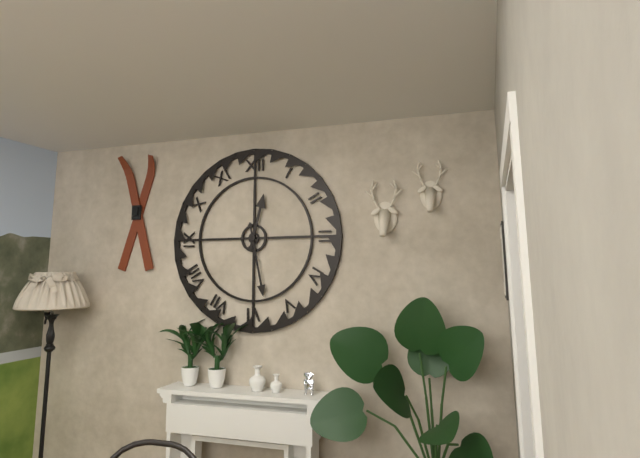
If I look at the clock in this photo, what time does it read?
12:28
